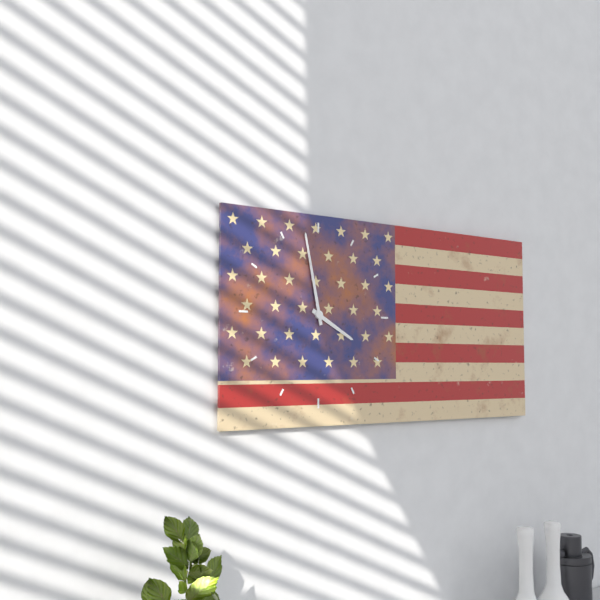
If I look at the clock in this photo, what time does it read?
3:58
